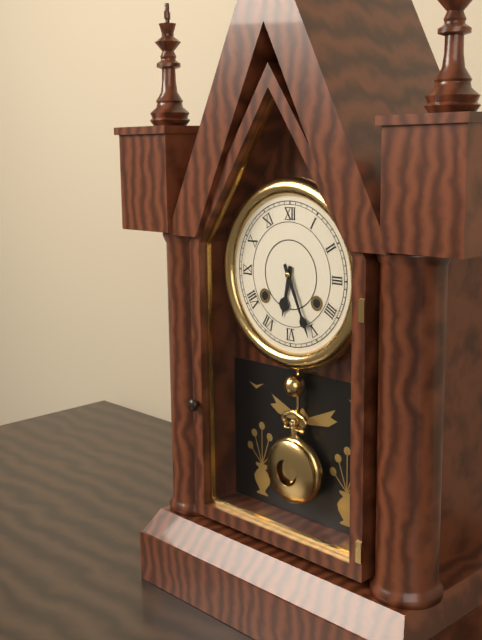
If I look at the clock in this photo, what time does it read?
6:26
